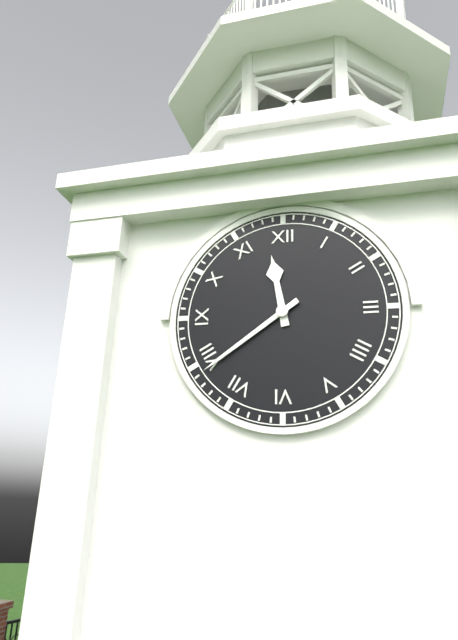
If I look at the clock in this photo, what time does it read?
11:39
